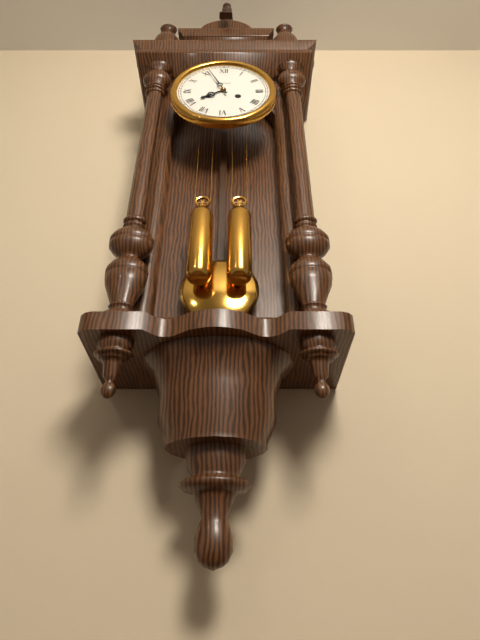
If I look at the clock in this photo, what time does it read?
7:56
